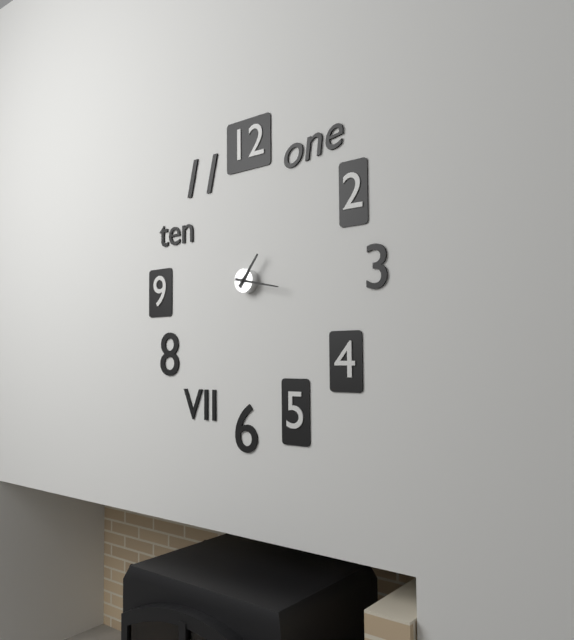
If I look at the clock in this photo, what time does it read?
1:17
